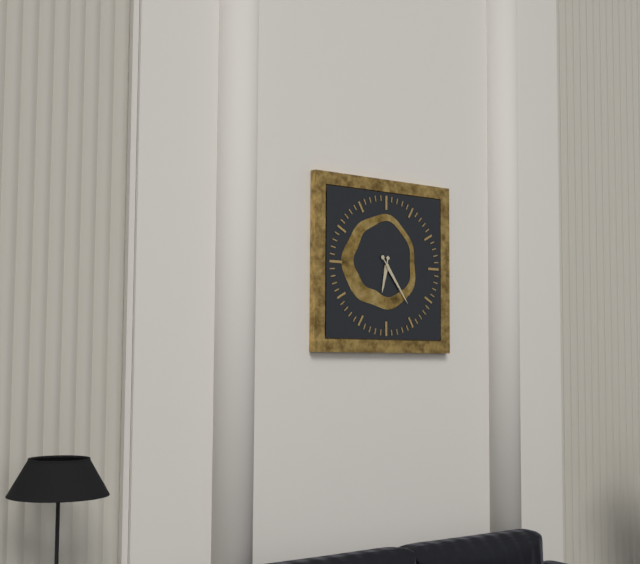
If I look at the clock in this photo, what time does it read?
6:24
